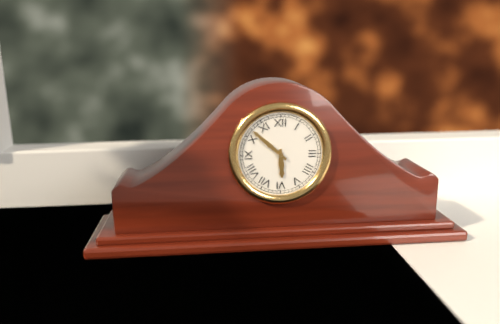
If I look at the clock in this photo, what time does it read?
5:52
